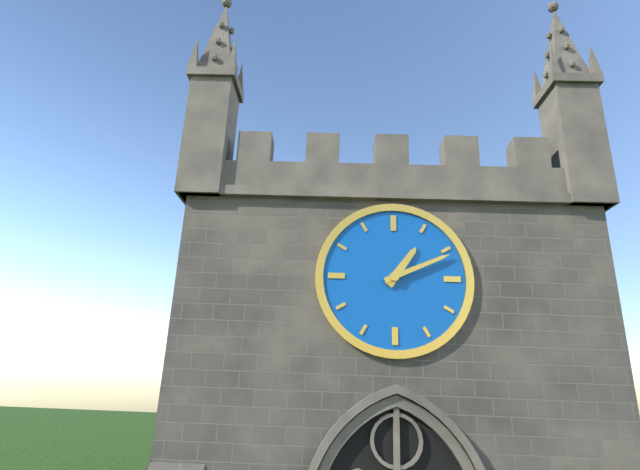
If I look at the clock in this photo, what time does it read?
1:11
